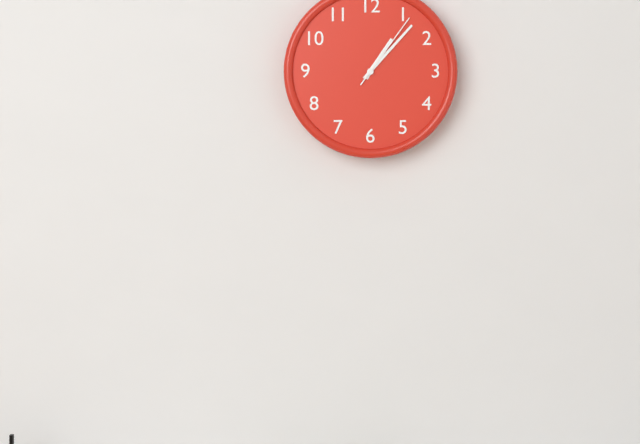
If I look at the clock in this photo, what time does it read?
1:07:06
